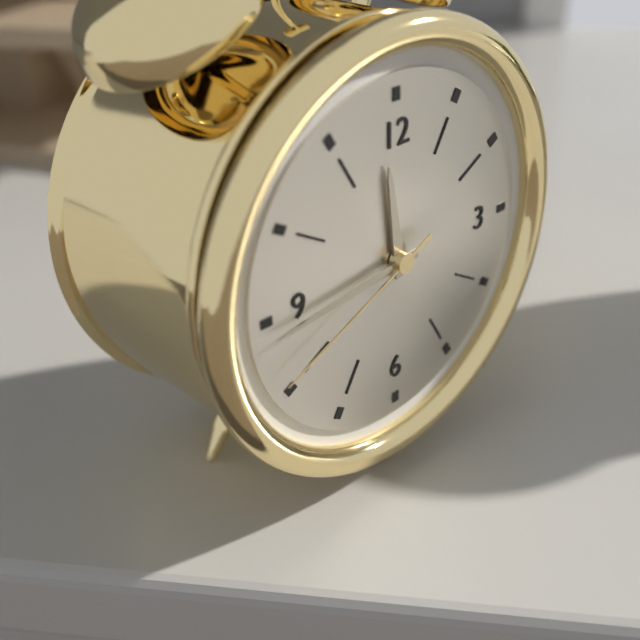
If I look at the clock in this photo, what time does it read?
11:44:41
